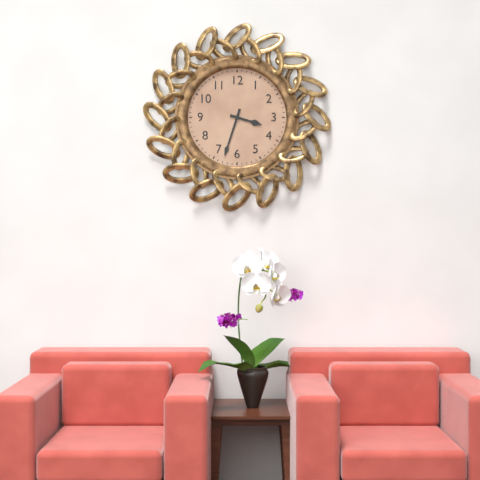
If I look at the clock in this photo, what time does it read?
3:33
